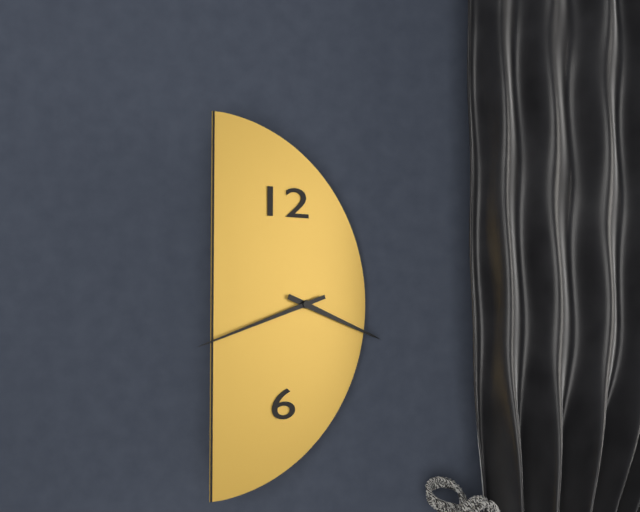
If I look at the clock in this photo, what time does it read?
3:42
